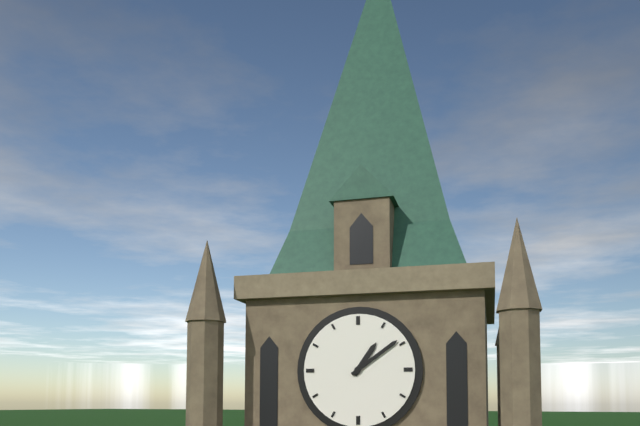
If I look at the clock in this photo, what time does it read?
1:09
